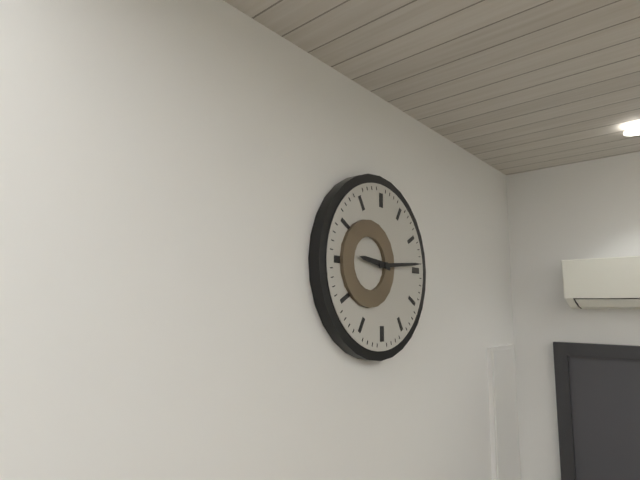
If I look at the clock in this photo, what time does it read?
9:14
